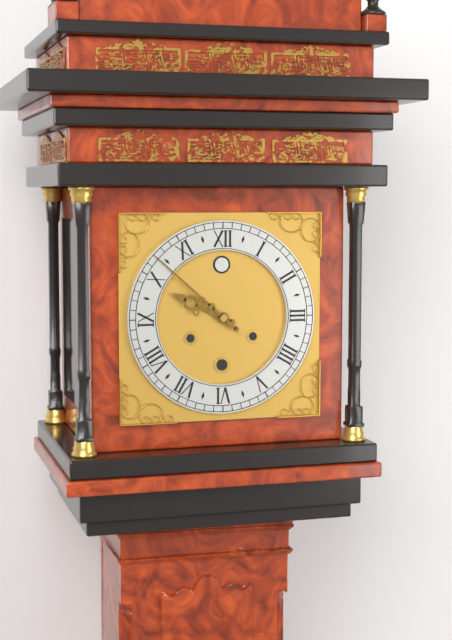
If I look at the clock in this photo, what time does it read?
9:52
